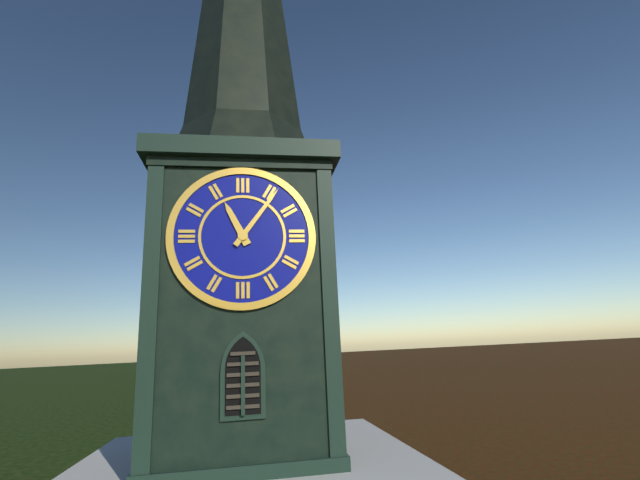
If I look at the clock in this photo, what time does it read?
11:06
